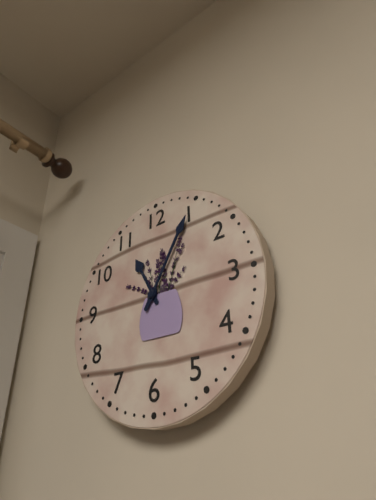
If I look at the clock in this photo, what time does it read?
11:05
